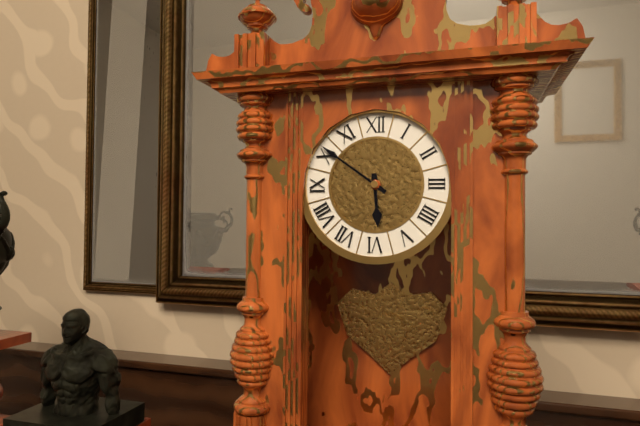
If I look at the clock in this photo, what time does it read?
5:51
